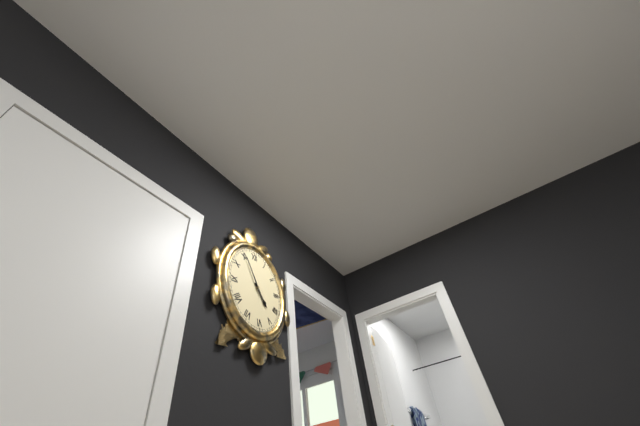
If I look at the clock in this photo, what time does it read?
4:56
